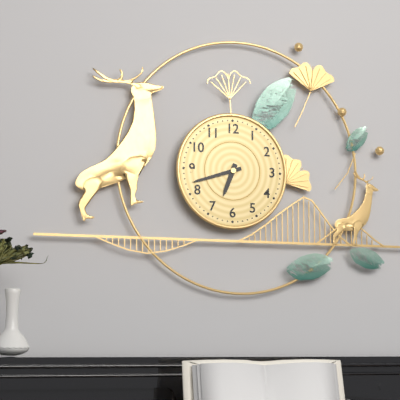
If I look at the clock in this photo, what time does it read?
6:42
